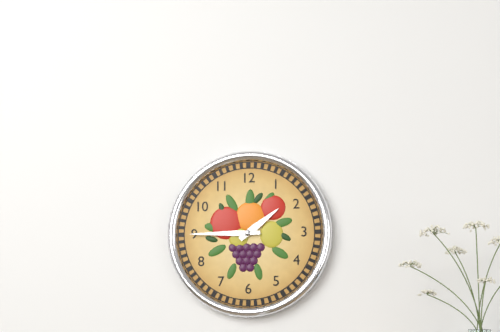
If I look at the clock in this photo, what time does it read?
1:45
